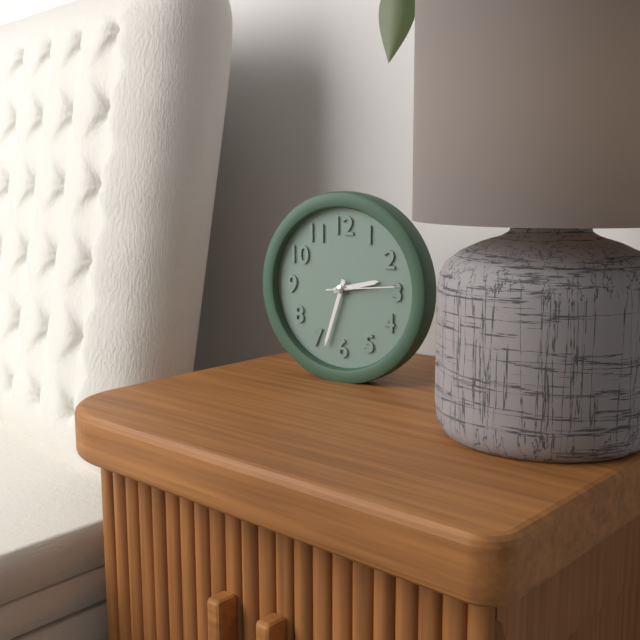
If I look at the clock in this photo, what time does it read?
2:33:14
